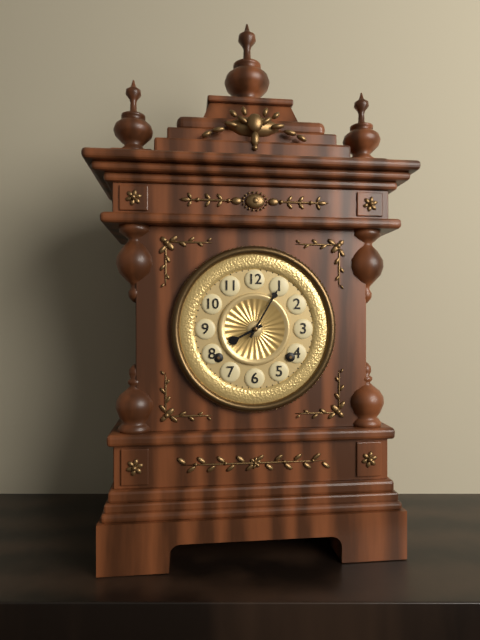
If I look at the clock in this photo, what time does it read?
8:05
